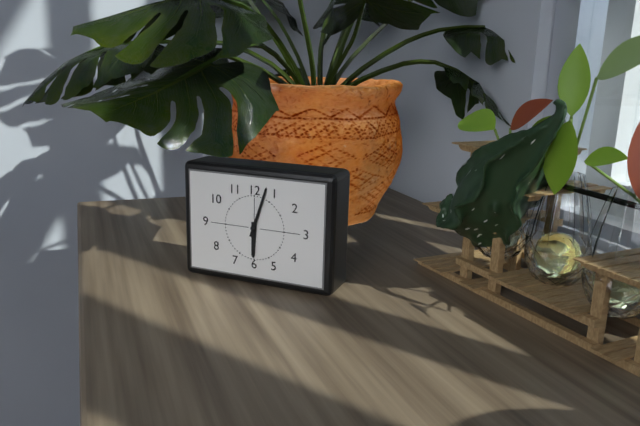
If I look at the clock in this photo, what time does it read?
6:03
